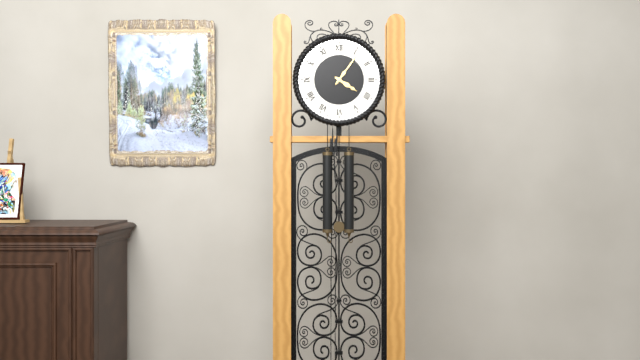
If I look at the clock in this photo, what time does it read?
4:06
